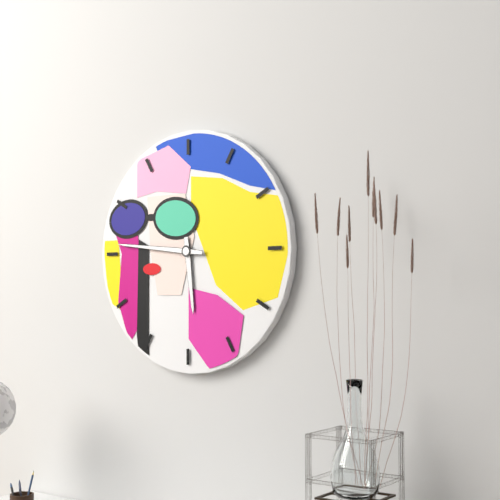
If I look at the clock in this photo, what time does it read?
5:46
